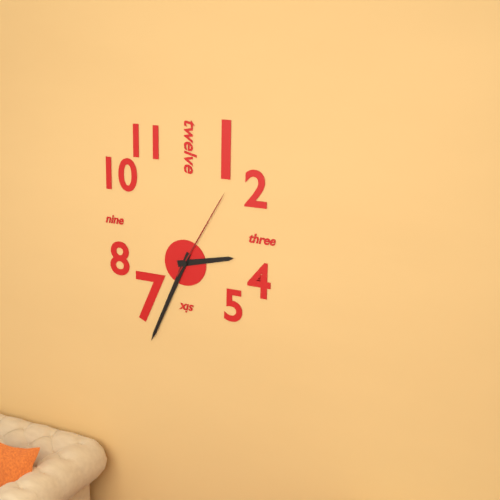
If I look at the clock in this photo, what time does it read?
2:34:05
